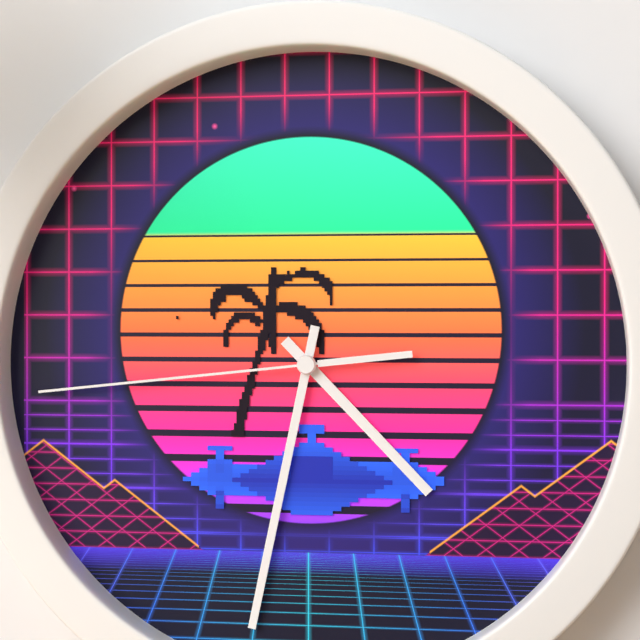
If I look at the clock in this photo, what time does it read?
4:32:44
